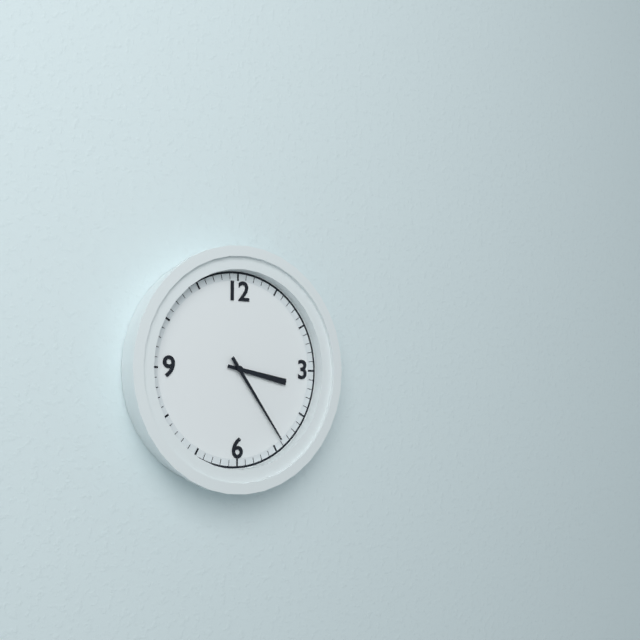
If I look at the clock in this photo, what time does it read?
3:24
